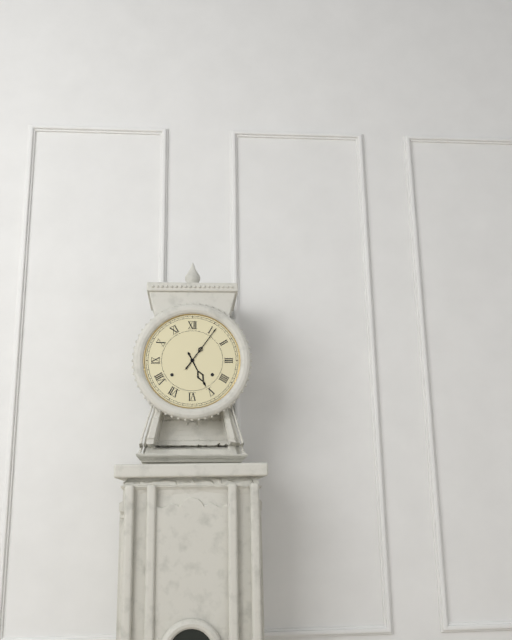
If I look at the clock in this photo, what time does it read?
5:06
